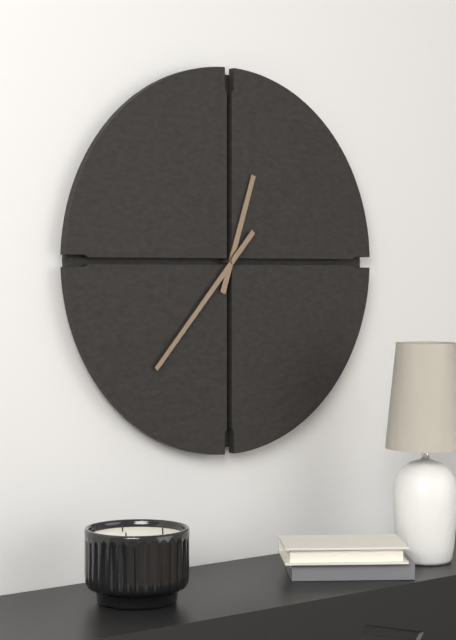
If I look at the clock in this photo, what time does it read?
12:37
